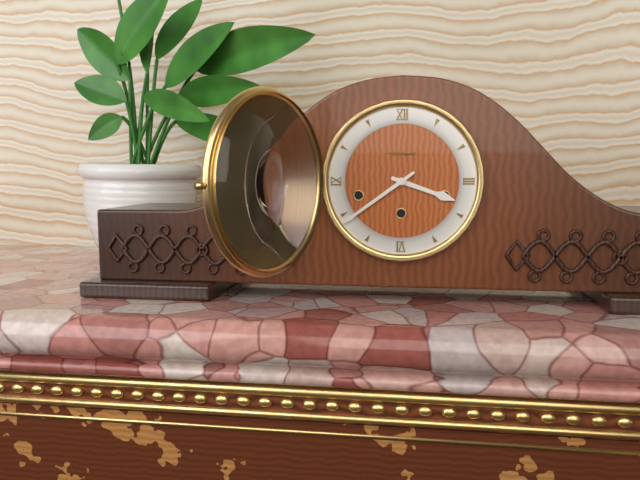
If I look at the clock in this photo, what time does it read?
3:39
